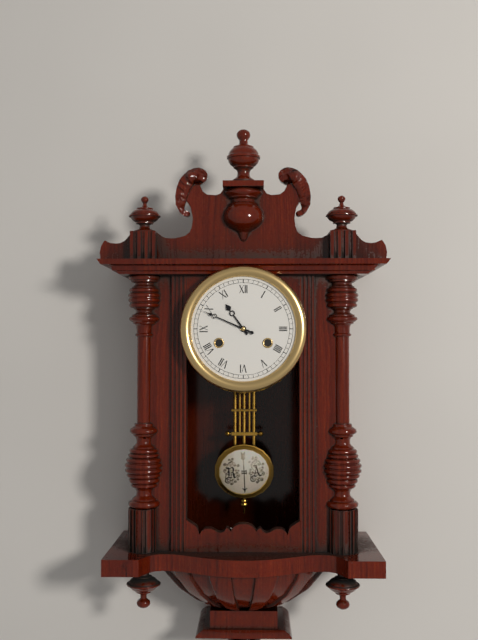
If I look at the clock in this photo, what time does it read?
10:49
